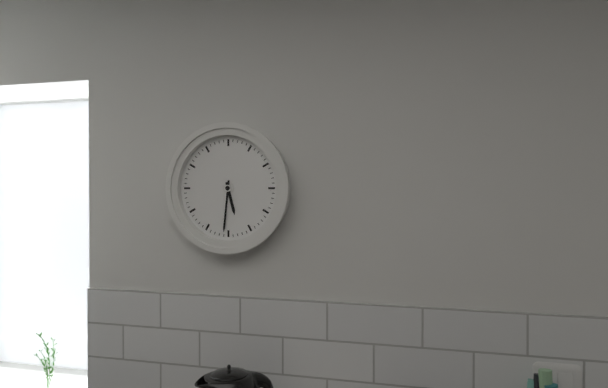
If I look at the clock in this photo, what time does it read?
5:31
